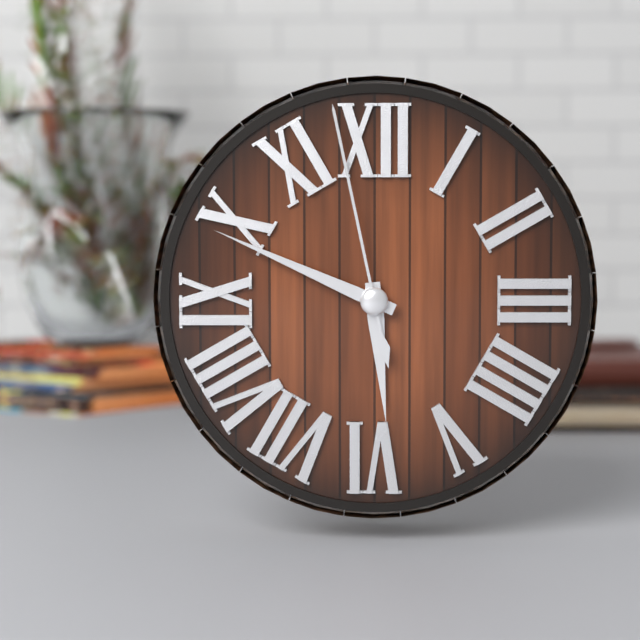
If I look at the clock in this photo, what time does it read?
5:49:58
